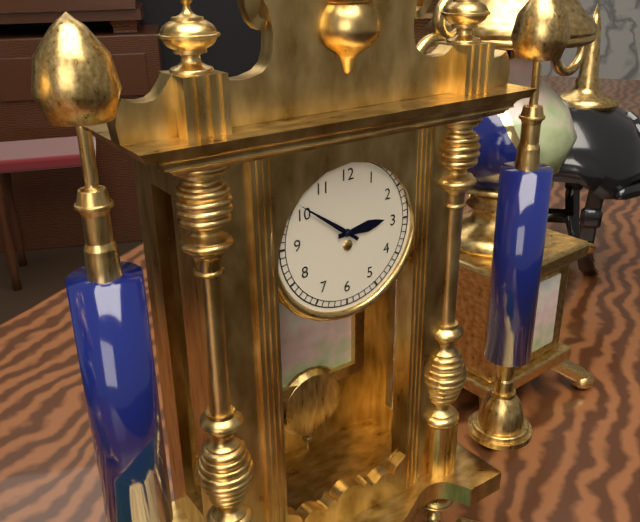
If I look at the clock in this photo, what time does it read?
2:51
